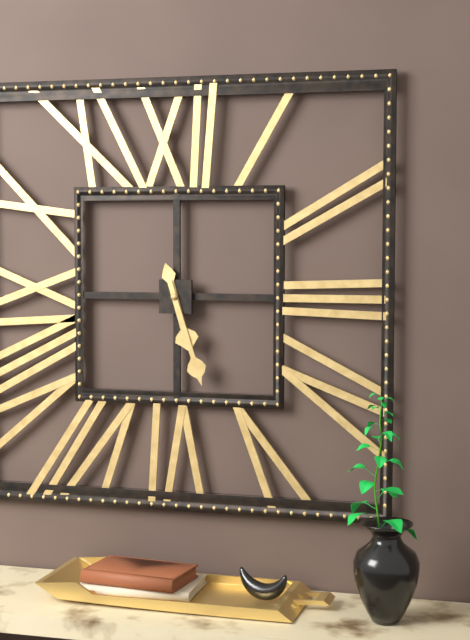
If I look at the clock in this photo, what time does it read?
5:27
